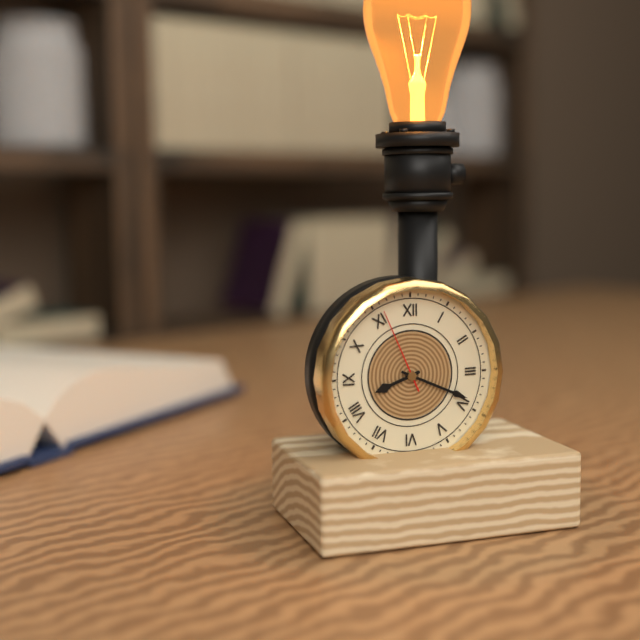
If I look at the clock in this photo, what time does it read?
8:19:56
